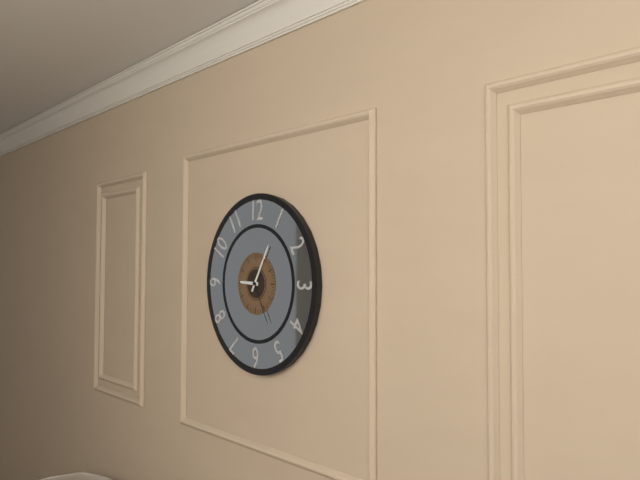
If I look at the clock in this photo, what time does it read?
9:05:25
